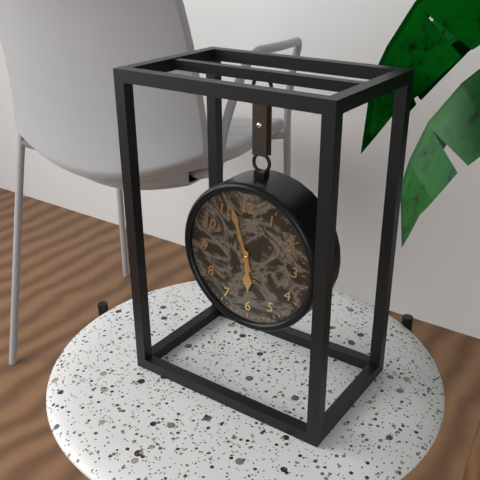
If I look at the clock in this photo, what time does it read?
5:57
